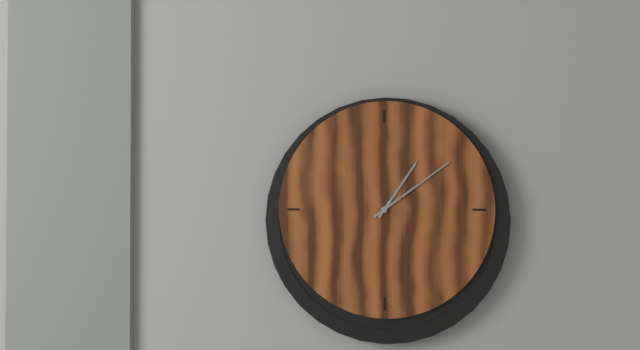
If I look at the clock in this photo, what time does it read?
1:09
